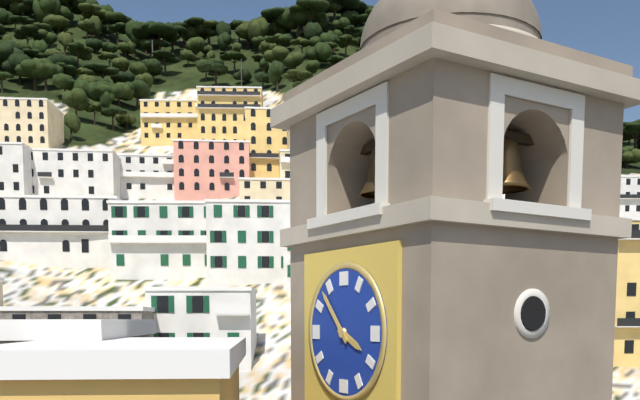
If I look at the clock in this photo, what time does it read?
3:53
